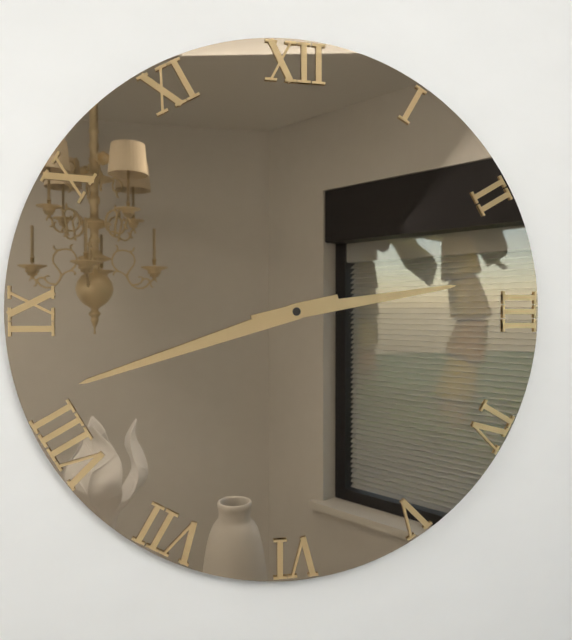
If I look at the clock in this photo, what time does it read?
2:42
